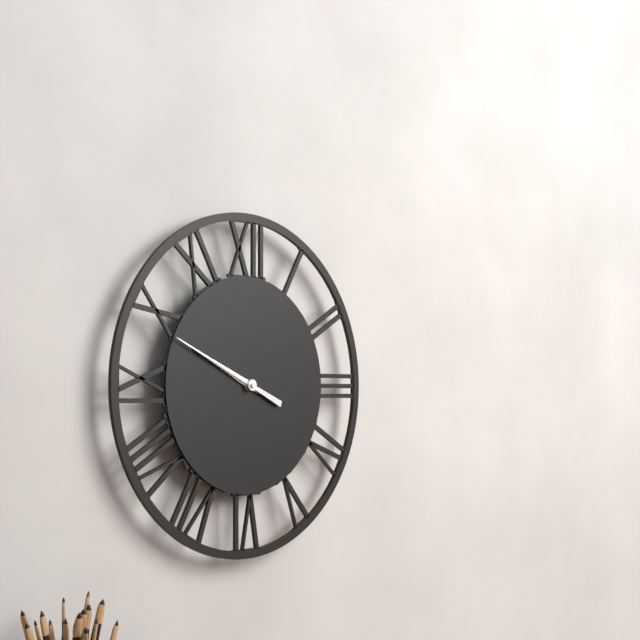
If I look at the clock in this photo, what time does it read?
9:49
